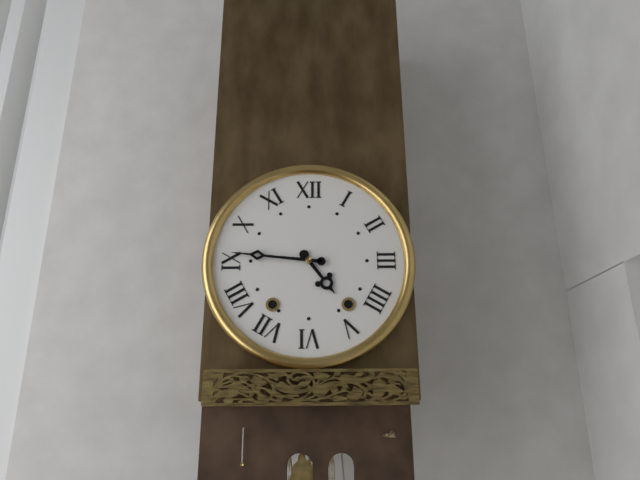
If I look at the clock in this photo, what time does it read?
4:46
